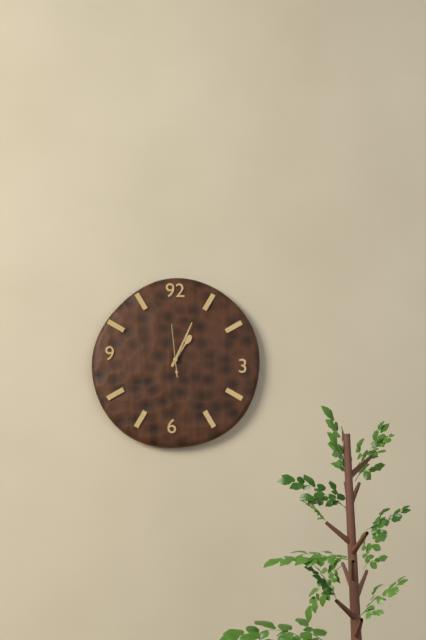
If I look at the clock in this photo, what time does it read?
1:04
